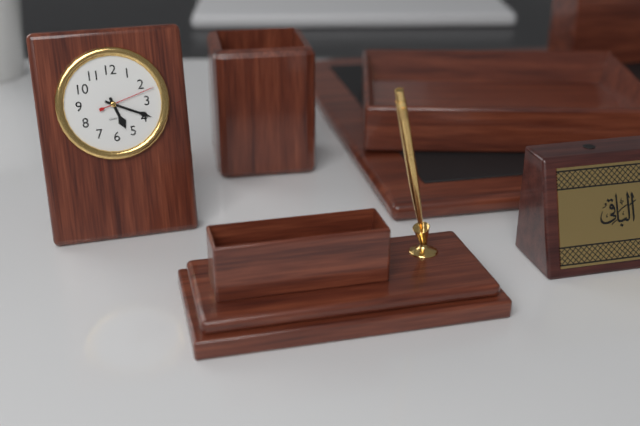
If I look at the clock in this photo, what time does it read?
5:19:12
